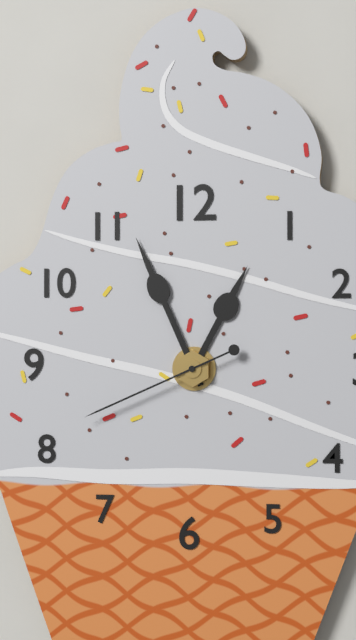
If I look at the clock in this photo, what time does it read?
12:56:41
